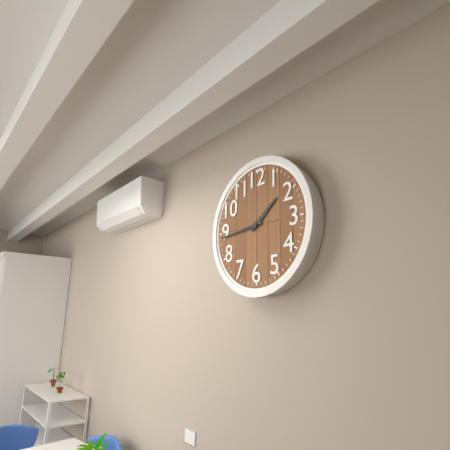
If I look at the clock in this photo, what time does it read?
1:44
